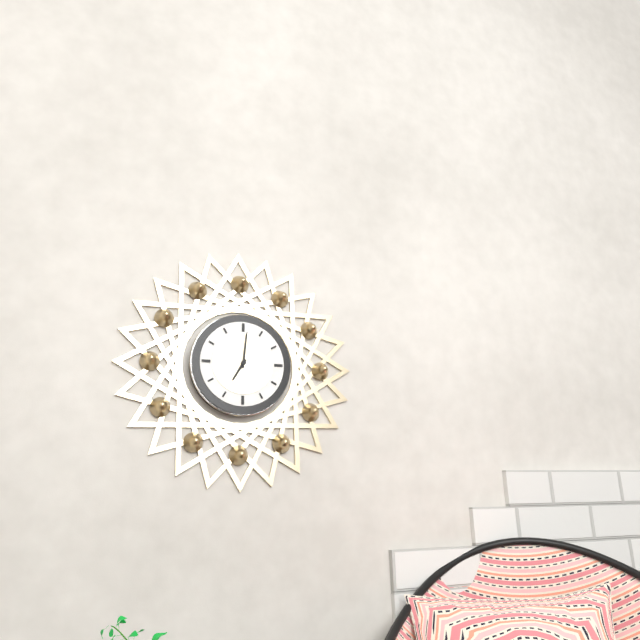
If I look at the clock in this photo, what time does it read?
7:01
